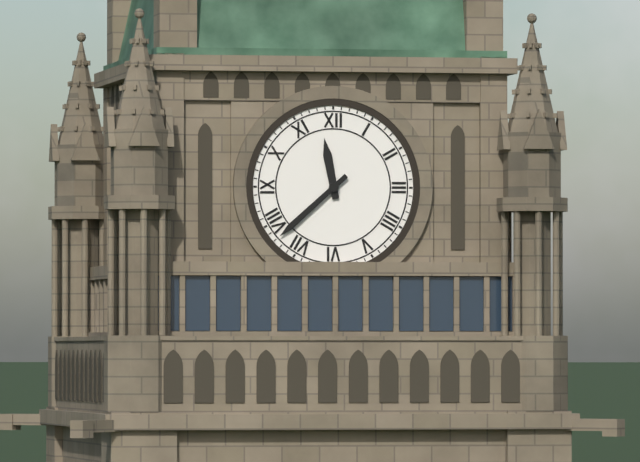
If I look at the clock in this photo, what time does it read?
11:38
